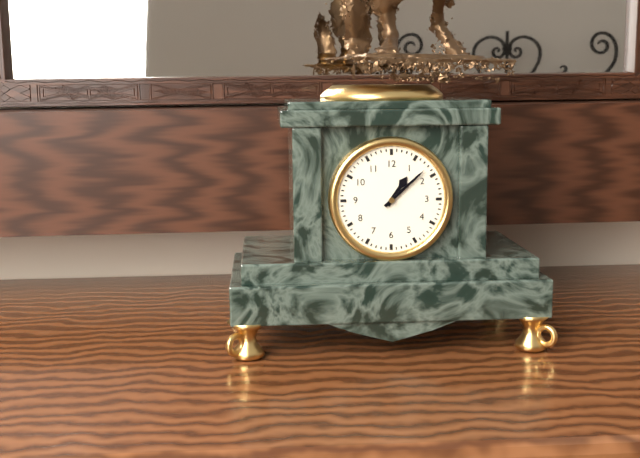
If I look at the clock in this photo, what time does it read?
1:08
